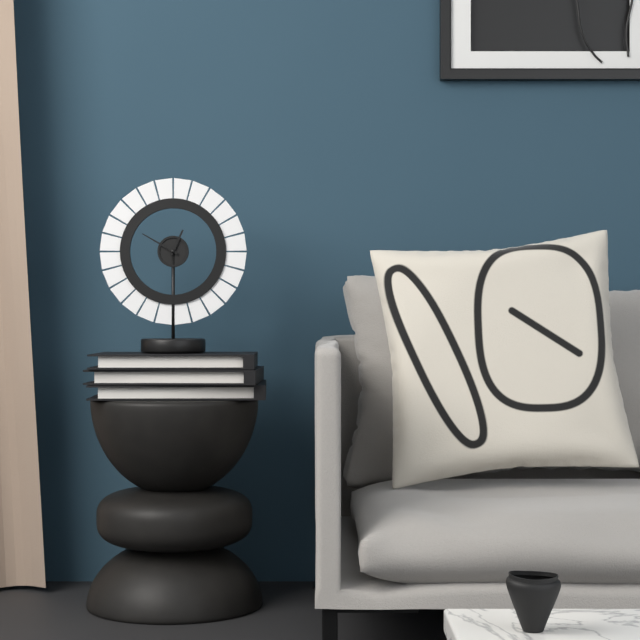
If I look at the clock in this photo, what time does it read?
12:50
